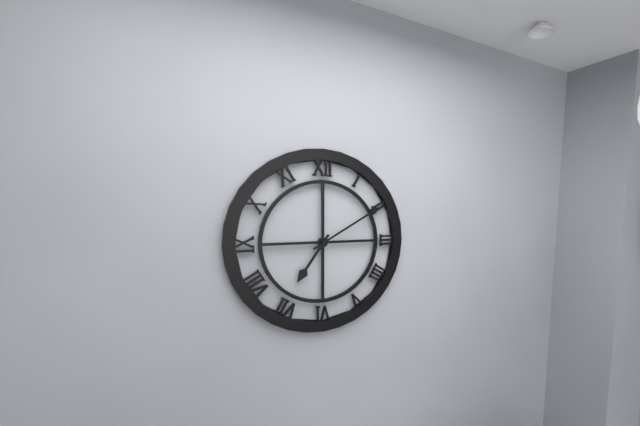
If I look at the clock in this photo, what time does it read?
7:10
